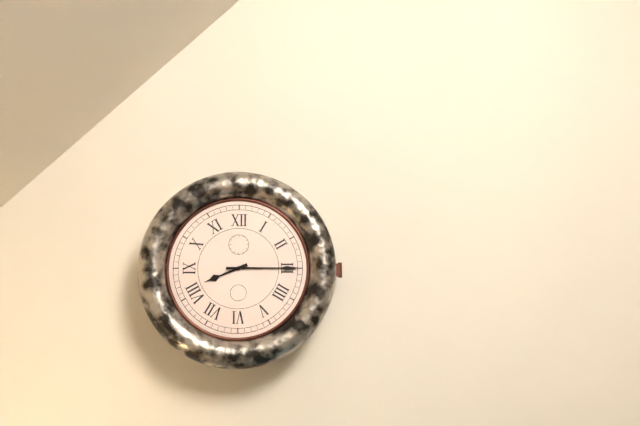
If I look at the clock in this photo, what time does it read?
8:15
